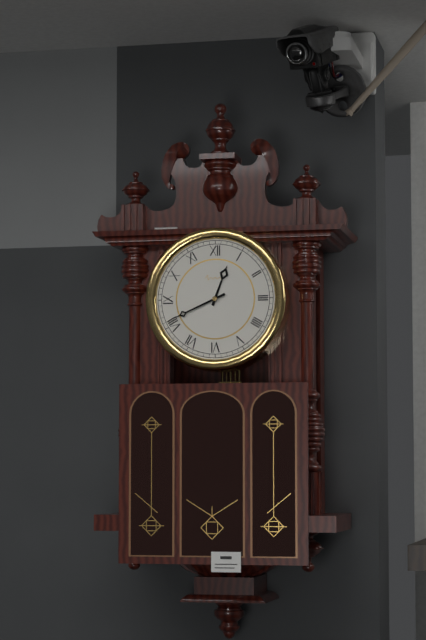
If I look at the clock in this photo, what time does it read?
12:41
